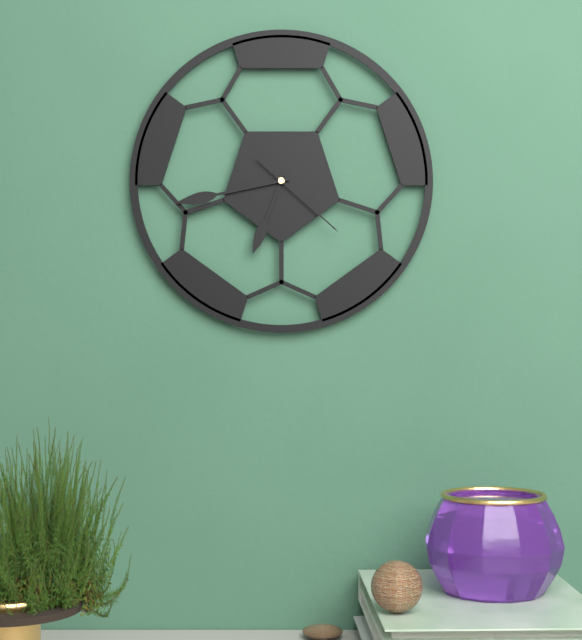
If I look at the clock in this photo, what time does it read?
6:43:22
